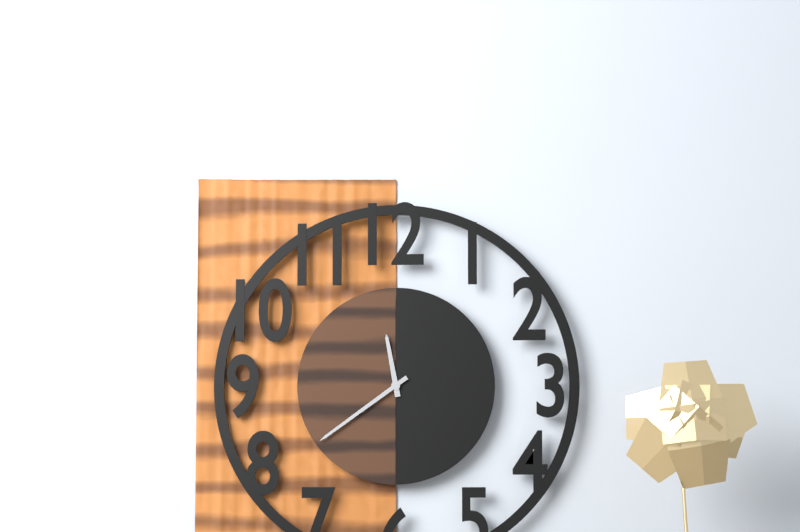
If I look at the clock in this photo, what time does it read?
11:39
